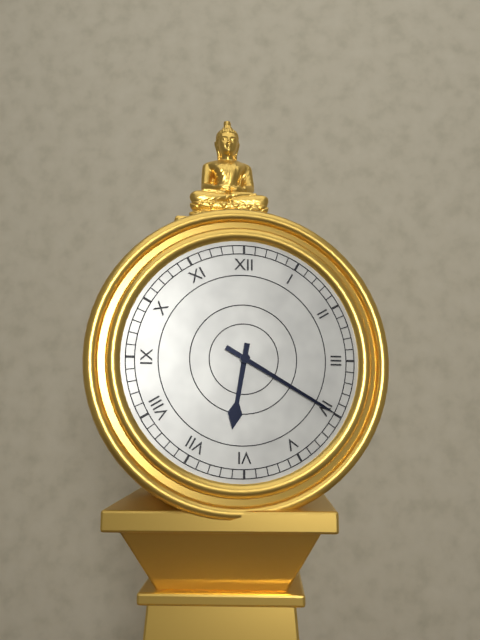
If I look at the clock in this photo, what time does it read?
6:20
